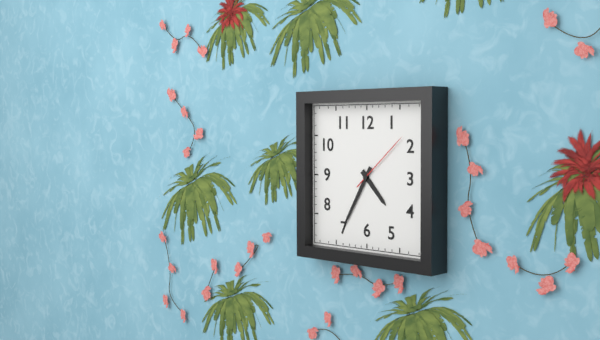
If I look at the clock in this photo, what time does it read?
4:35:08
